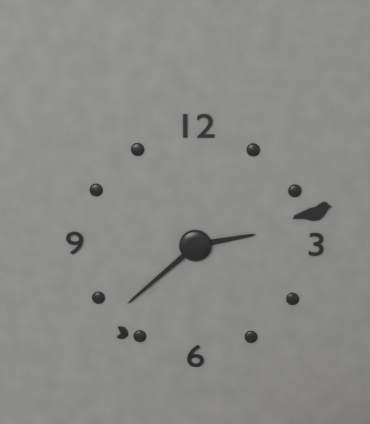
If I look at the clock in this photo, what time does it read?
2:38
